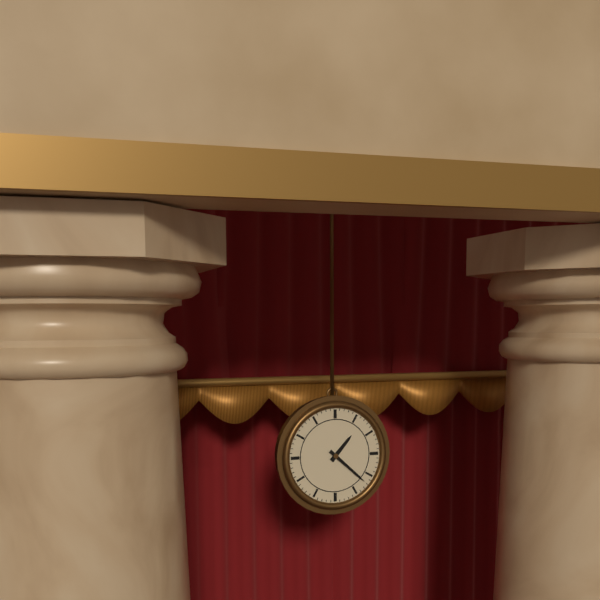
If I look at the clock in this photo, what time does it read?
1:22
